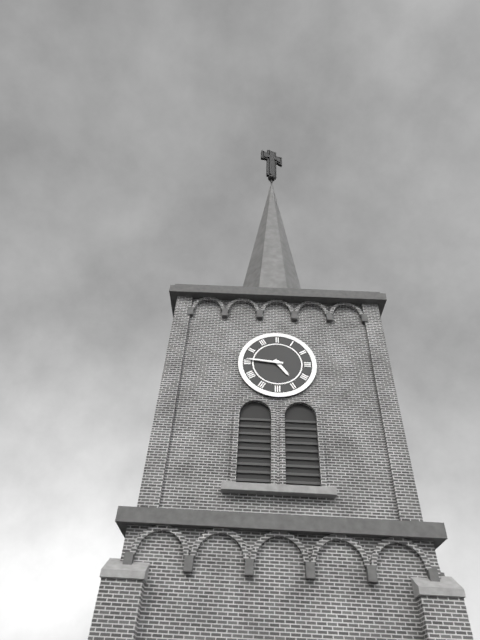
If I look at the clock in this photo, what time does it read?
4:46
